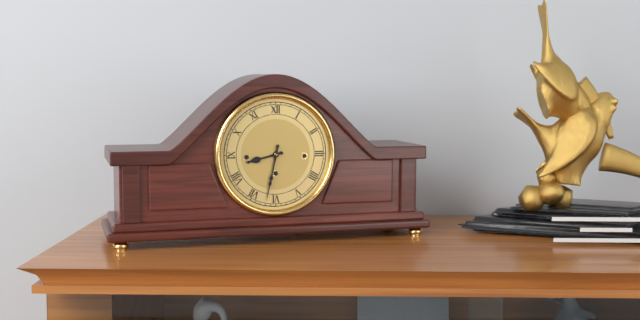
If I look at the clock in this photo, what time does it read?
8:32
